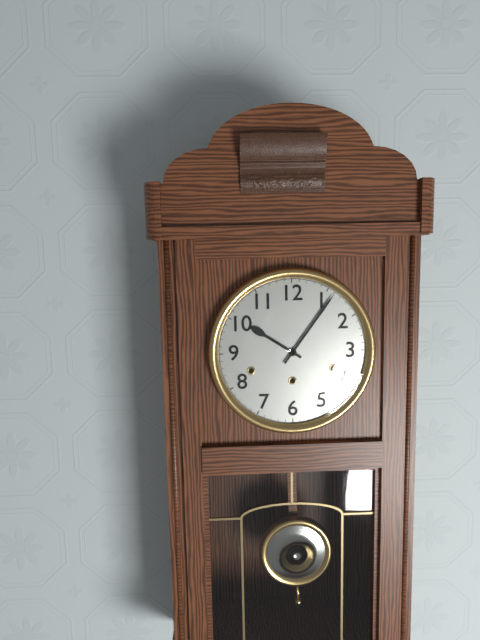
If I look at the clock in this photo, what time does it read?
10:06
